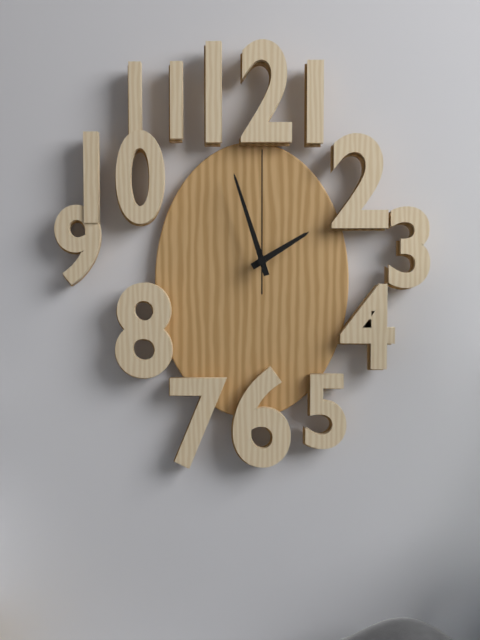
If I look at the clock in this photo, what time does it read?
1:57:00
